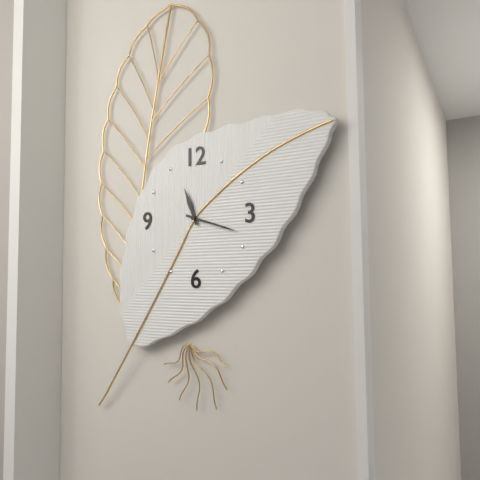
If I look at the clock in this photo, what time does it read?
11:18
